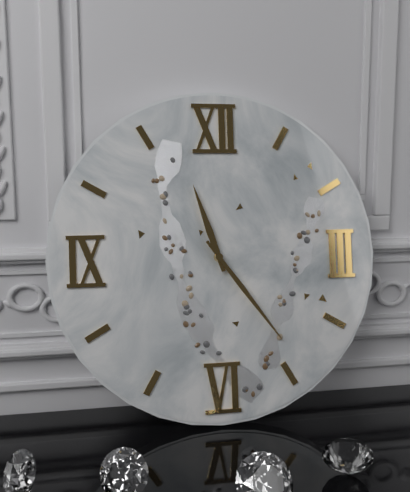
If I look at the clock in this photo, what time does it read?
11:24
